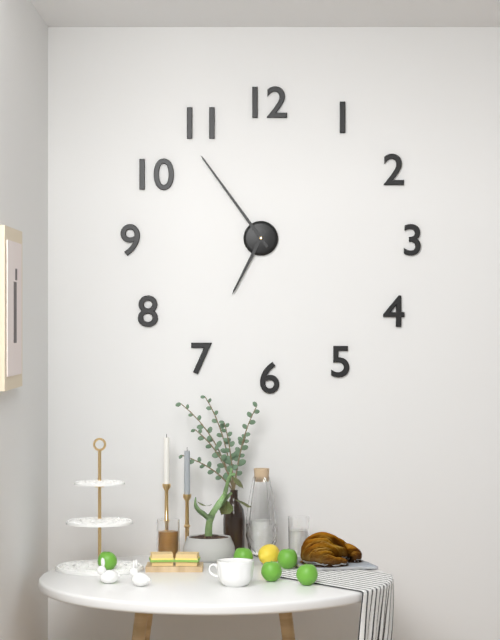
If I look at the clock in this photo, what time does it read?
6:54
